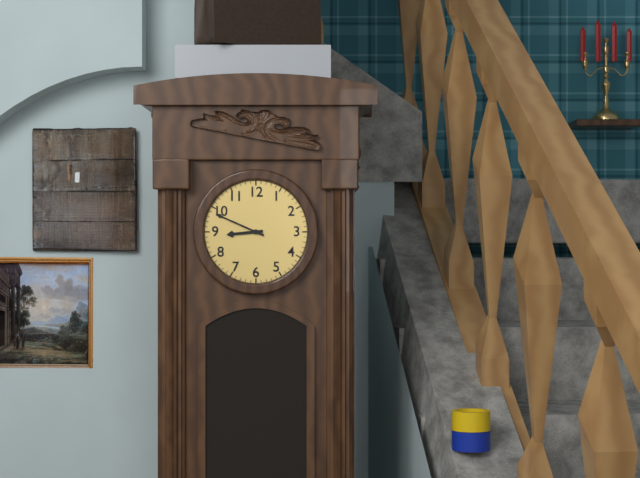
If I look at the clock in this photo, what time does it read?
8:49
